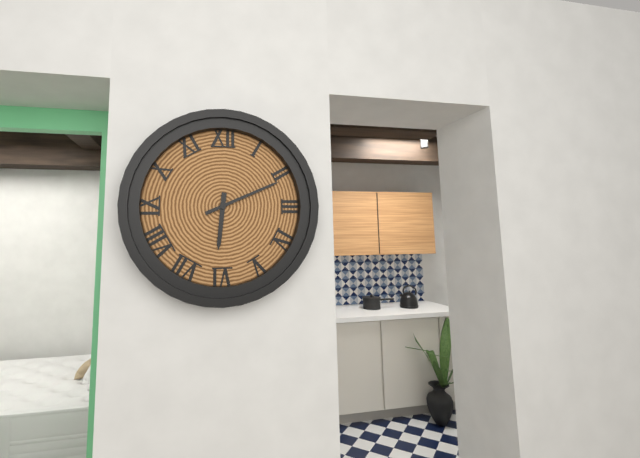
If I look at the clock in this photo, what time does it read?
6:11
